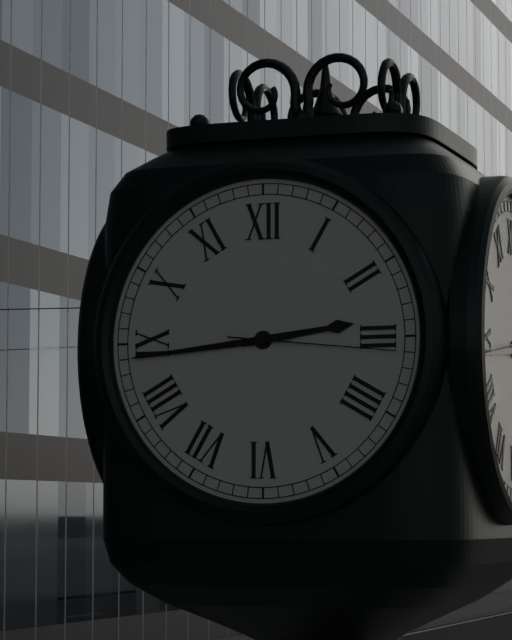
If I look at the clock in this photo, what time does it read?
2:44:16
